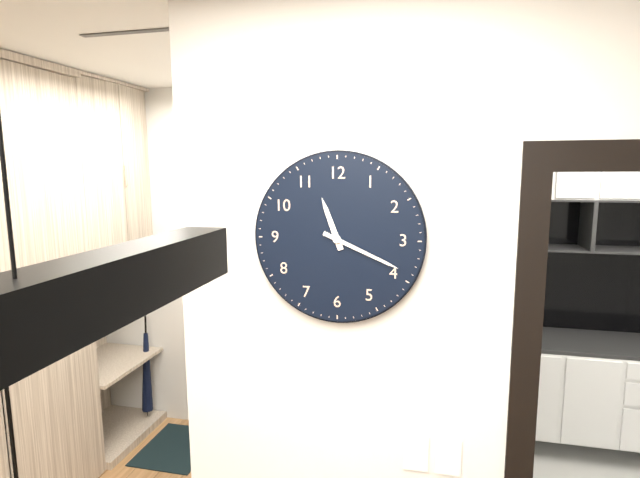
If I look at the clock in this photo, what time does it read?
11:19
